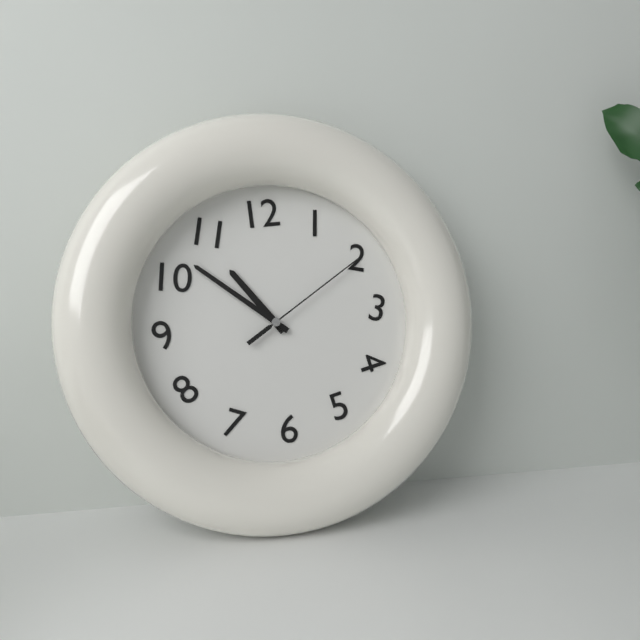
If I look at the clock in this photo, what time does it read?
10:52:10
